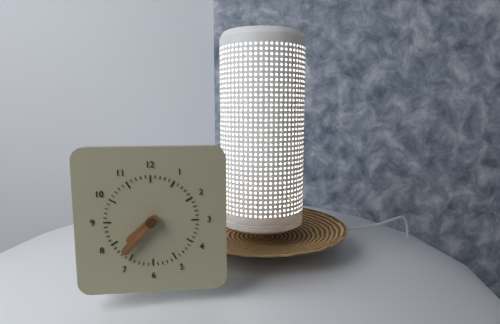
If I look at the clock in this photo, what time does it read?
7:37
